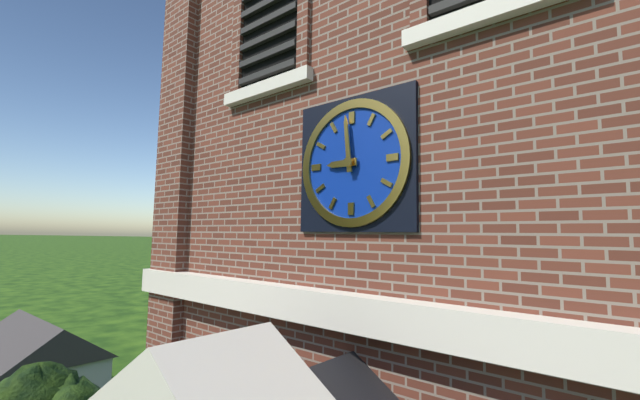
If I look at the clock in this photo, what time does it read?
8:59
